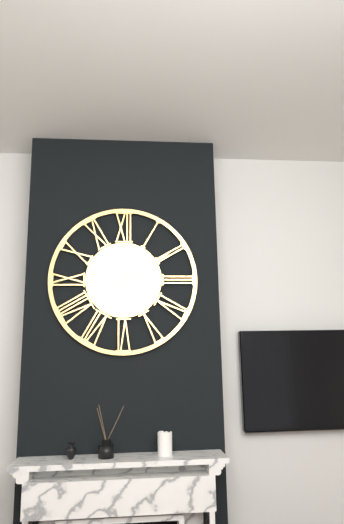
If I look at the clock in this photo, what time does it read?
11:10
